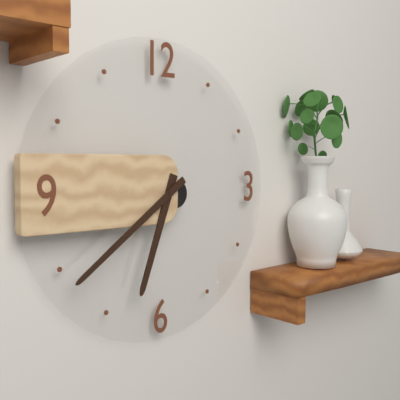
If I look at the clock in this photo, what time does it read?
6:39
